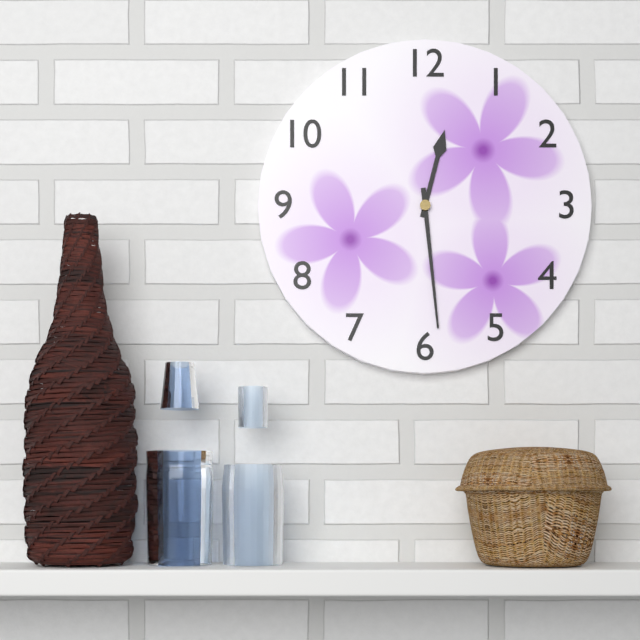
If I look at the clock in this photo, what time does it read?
12:29
